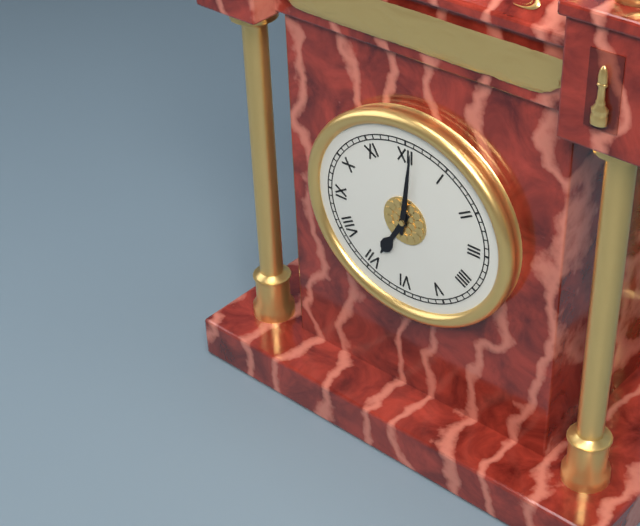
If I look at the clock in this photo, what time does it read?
7:01
